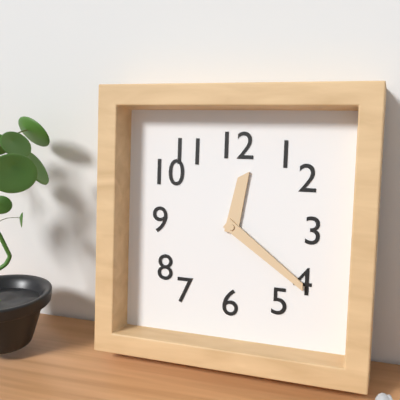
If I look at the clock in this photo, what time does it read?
12:21
